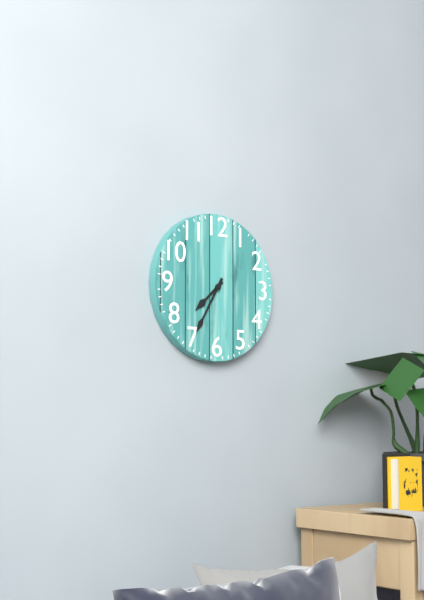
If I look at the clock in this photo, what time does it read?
7:35
